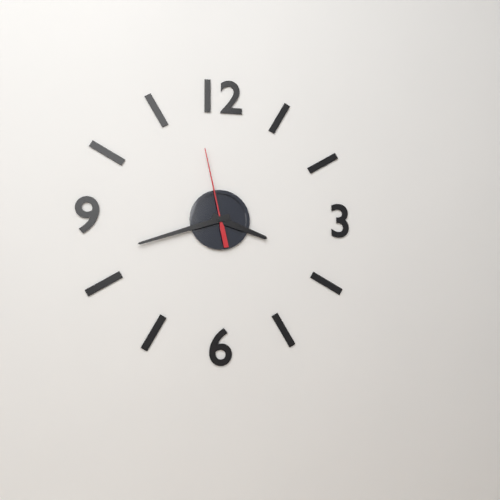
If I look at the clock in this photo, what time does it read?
3:42:58
